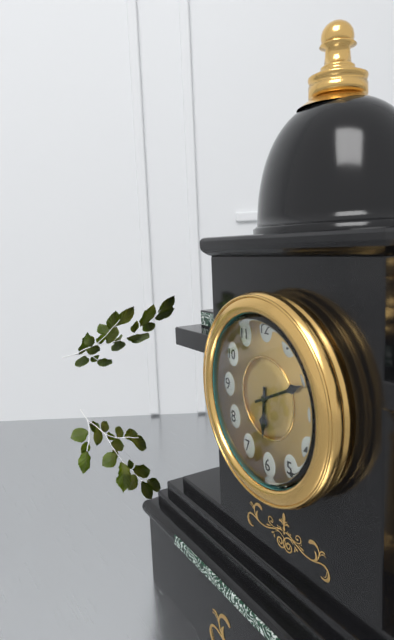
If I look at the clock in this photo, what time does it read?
6:11
